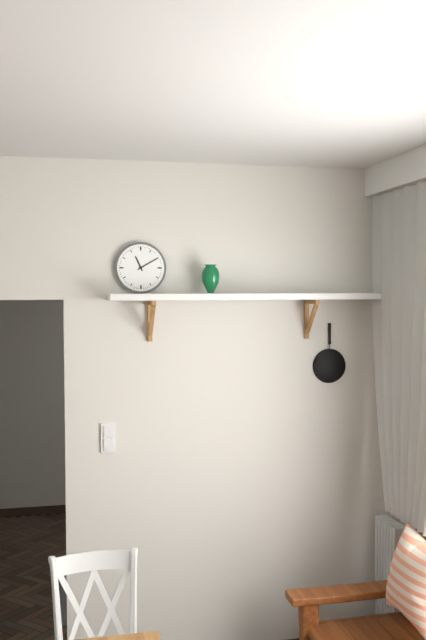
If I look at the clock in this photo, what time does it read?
11:10
